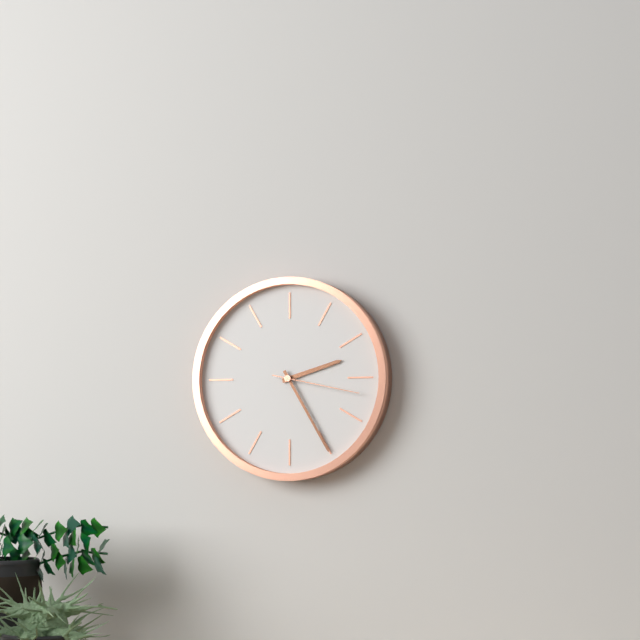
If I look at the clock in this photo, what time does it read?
2:25:17
